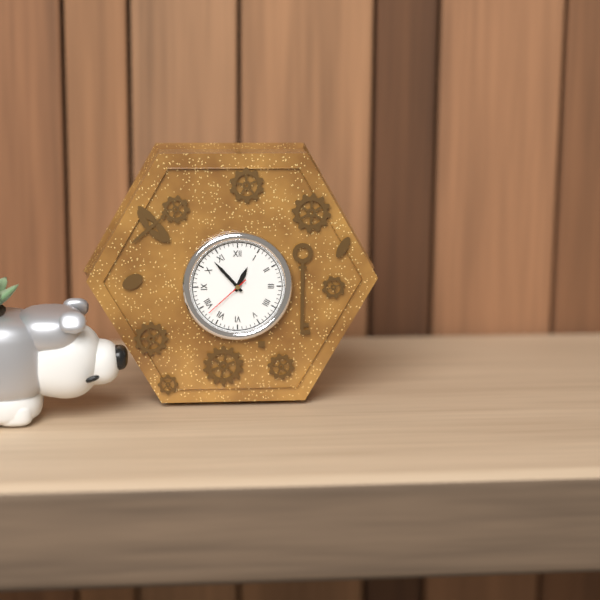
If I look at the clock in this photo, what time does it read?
12:53
